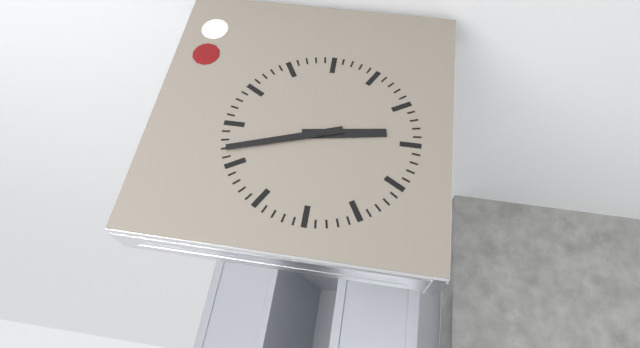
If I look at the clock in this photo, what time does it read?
2:42
